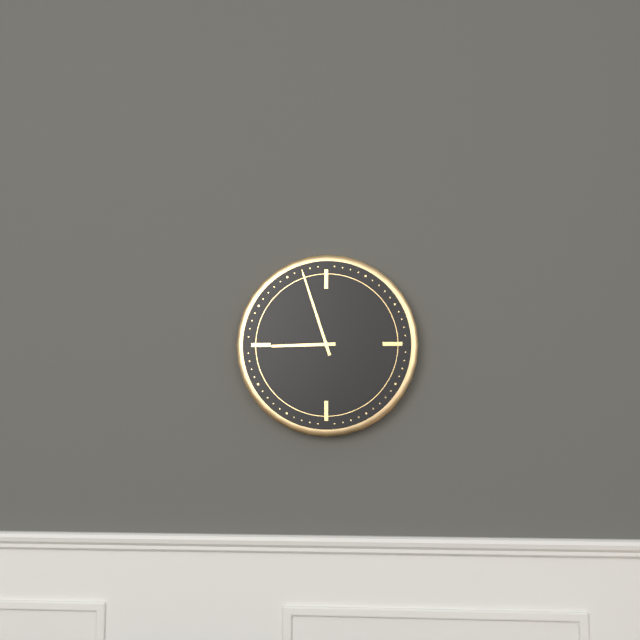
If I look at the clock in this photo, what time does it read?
8:57
